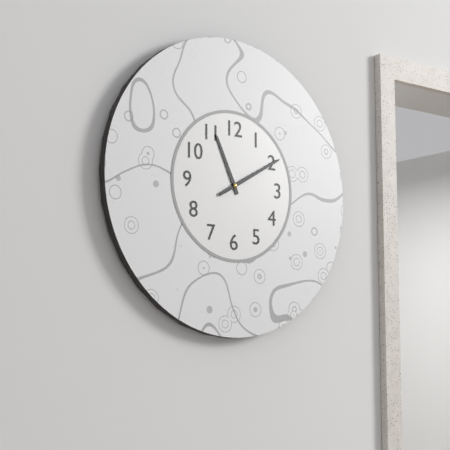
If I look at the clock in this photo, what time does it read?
11:10
